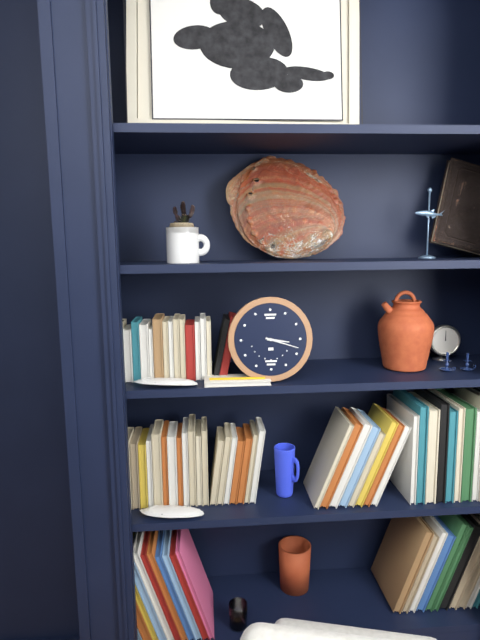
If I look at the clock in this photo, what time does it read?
3:18
